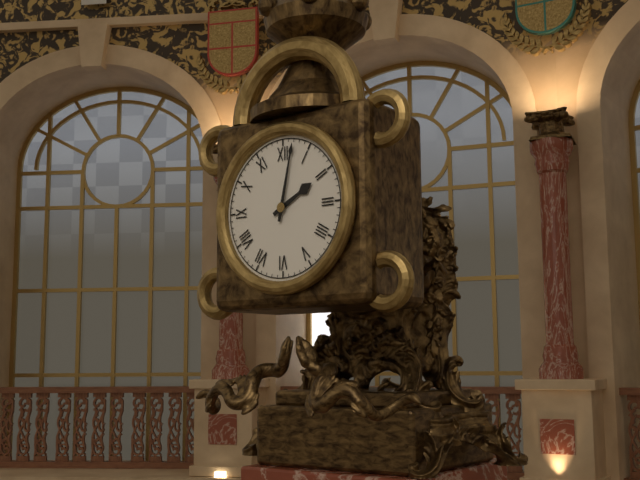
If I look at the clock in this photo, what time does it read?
2:02
